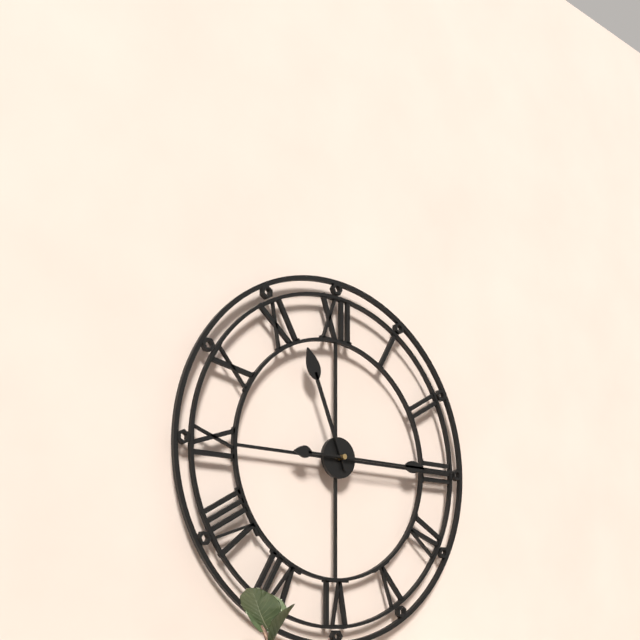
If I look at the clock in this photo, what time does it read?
11:15
